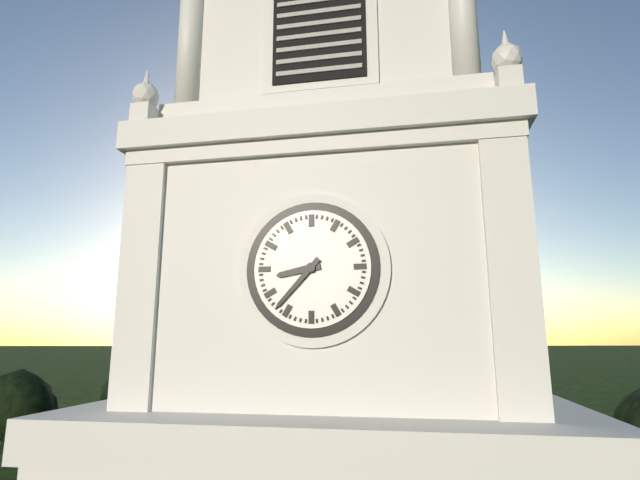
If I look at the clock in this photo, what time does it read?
8:37
